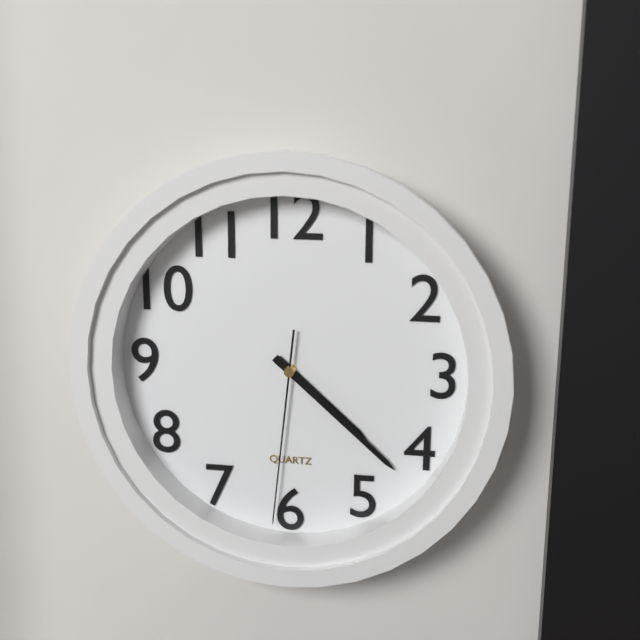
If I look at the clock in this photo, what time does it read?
4:22:31
